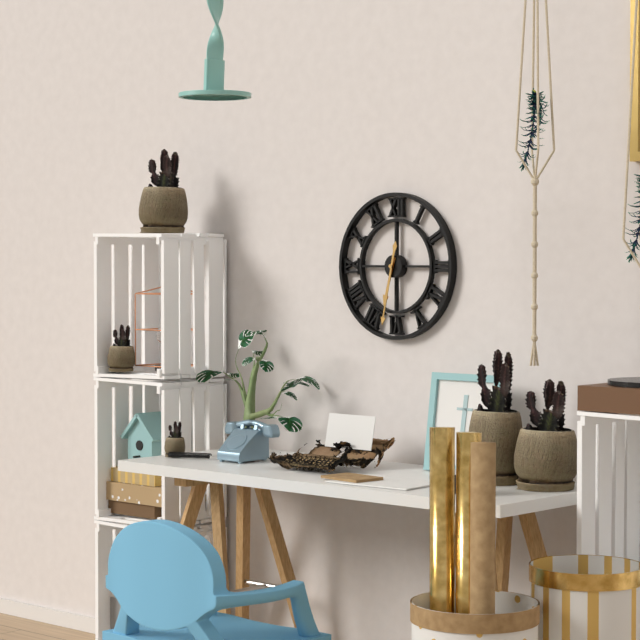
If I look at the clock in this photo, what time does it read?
6:32
